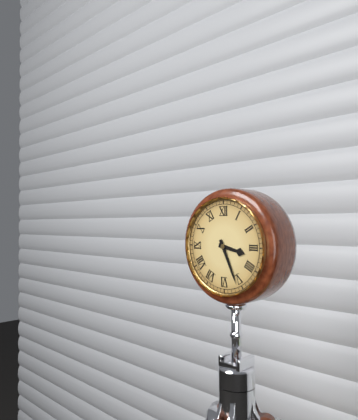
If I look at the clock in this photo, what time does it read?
3:26
